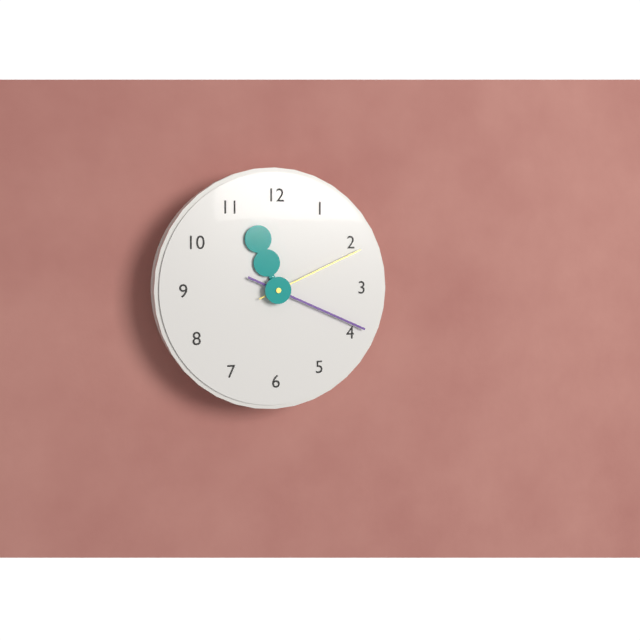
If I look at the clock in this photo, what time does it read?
11:19:11
